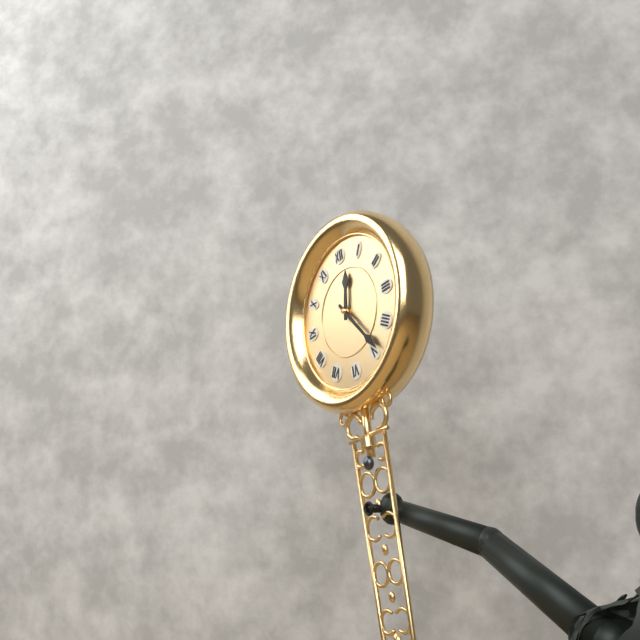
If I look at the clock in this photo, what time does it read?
12:24
